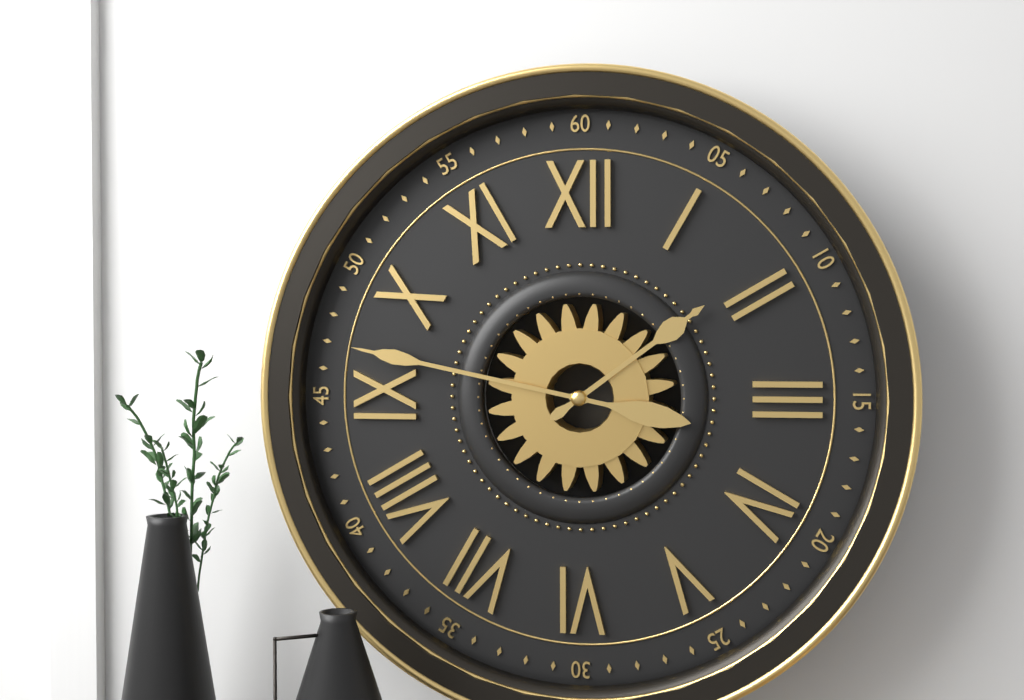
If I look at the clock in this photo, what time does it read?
1:47
